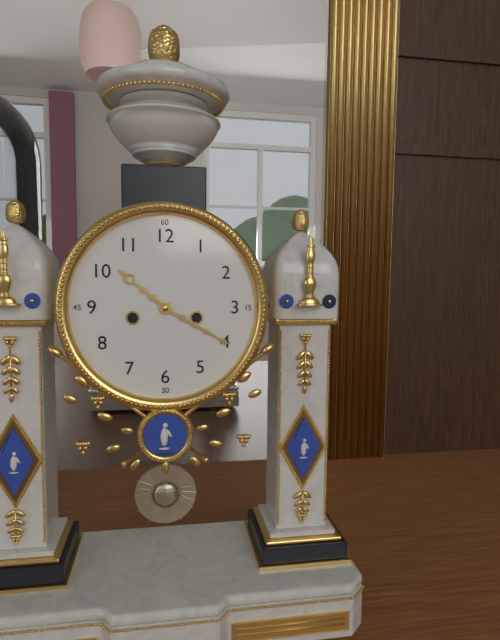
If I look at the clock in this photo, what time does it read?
10:20
